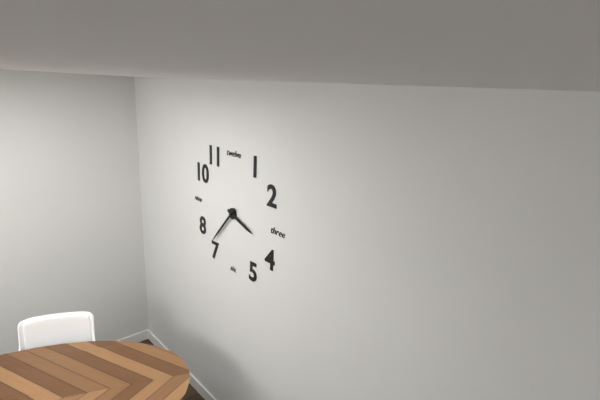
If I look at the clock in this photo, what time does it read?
3:37
